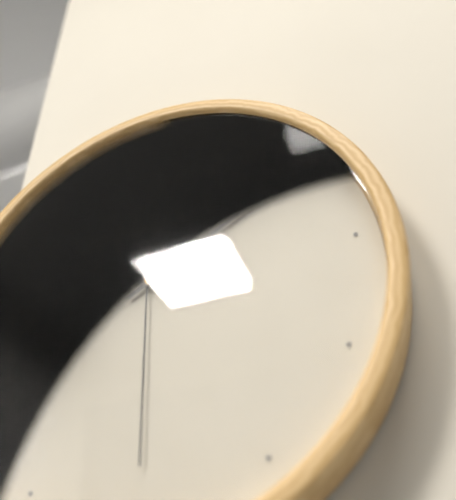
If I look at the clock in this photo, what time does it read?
10:10:30
